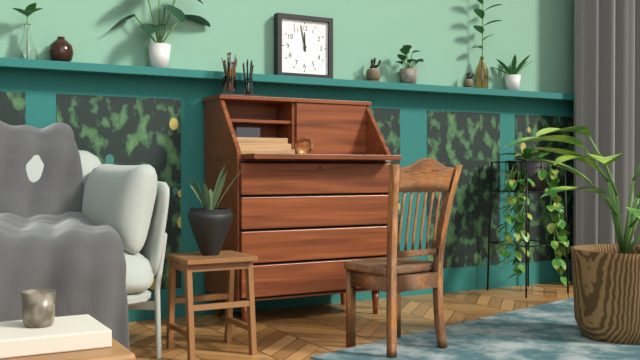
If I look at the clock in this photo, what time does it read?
11:58
